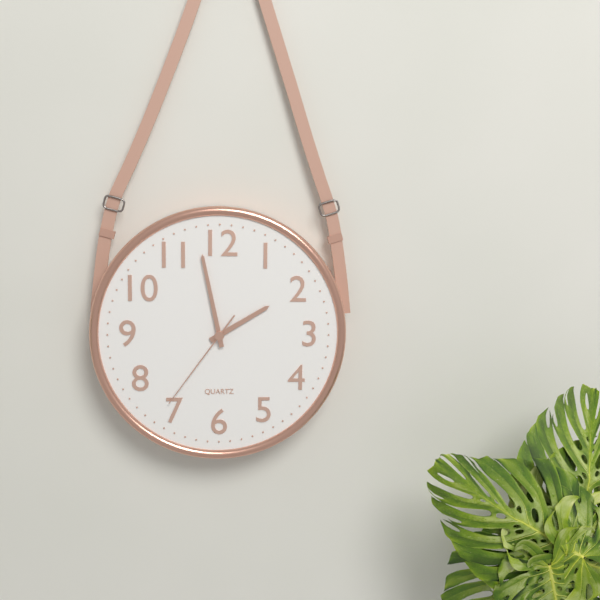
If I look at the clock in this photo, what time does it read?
1:58:36
